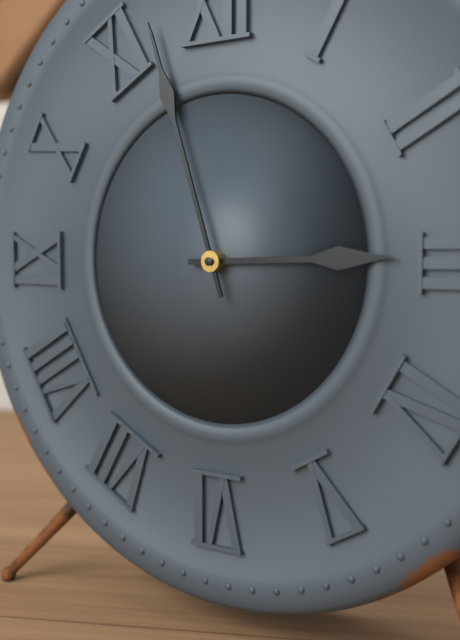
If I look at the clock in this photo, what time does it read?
2:57
